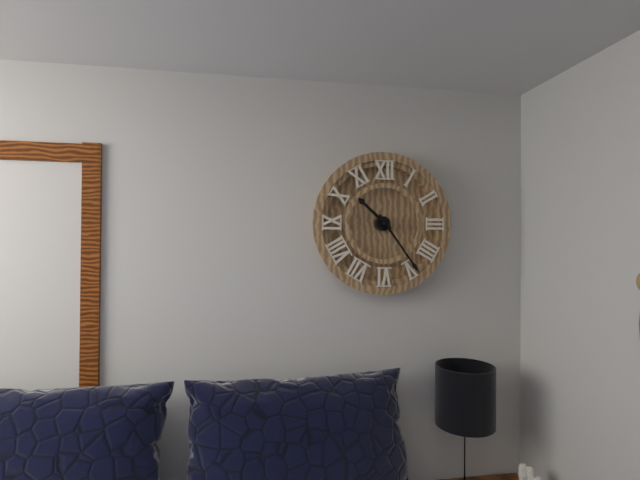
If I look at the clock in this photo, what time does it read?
10:24
